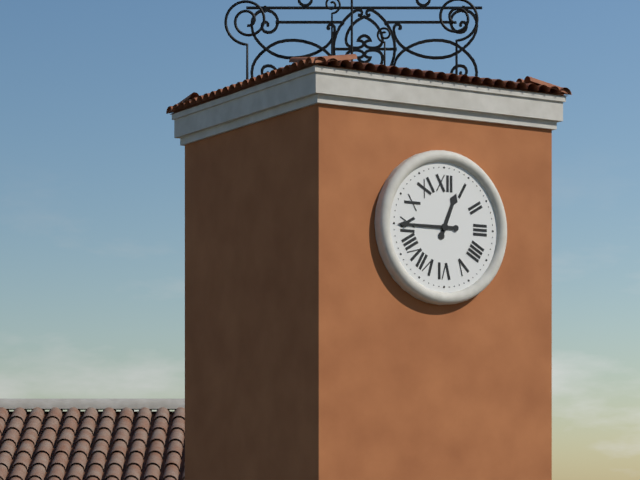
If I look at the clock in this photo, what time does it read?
12:45
